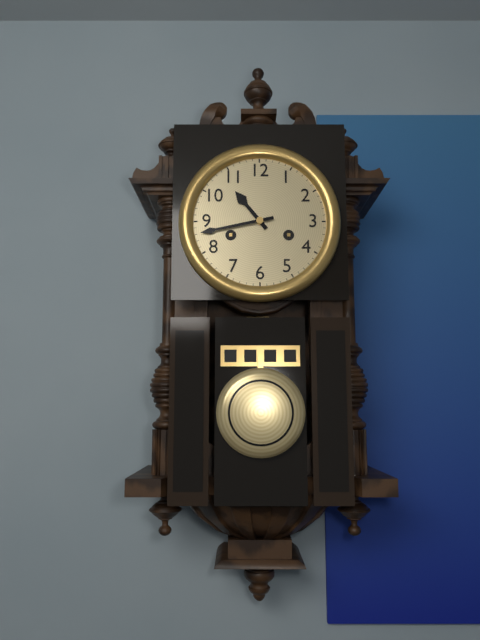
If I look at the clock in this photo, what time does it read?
10:43
